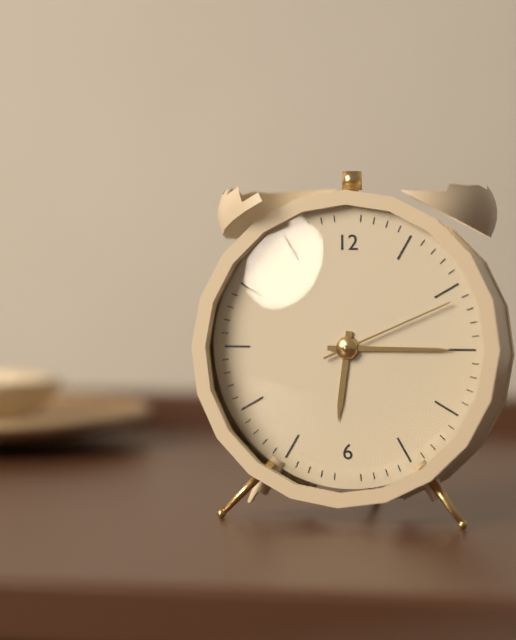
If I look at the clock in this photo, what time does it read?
6:15:11
